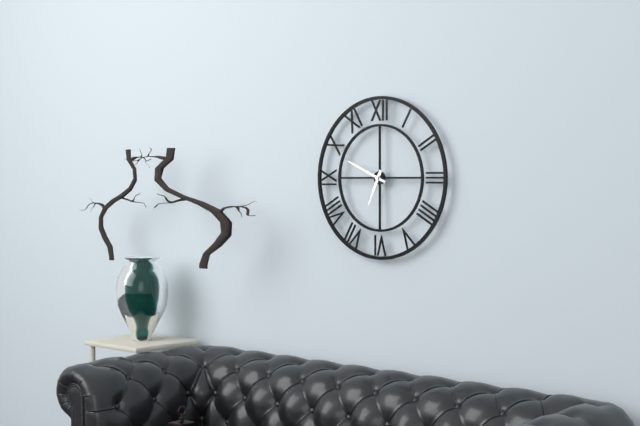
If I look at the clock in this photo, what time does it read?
6:49
